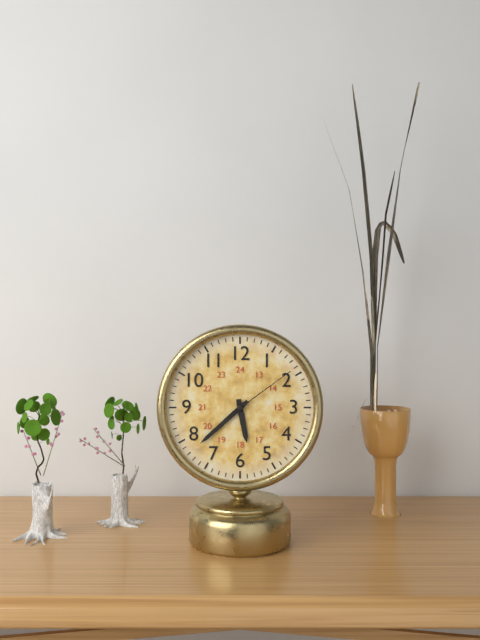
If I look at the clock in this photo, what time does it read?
5:38:09
